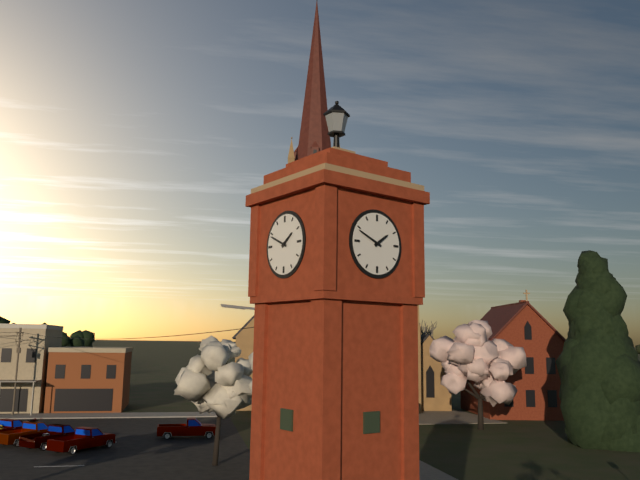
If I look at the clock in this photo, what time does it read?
1:49
